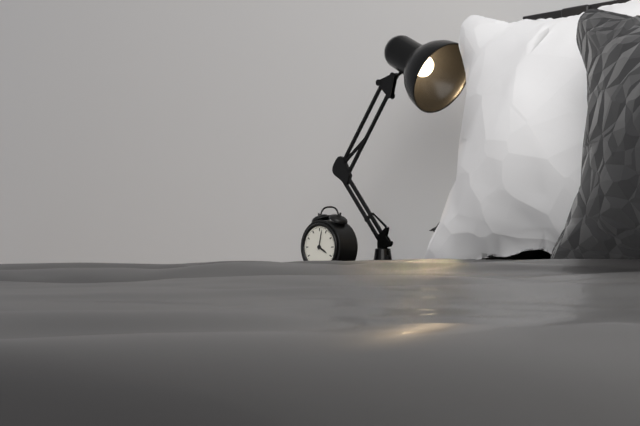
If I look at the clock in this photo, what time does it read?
4:02
